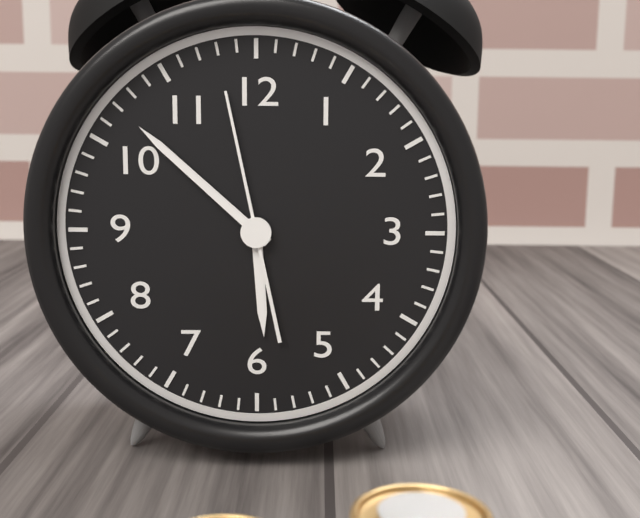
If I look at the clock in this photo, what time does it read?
5:52:58
